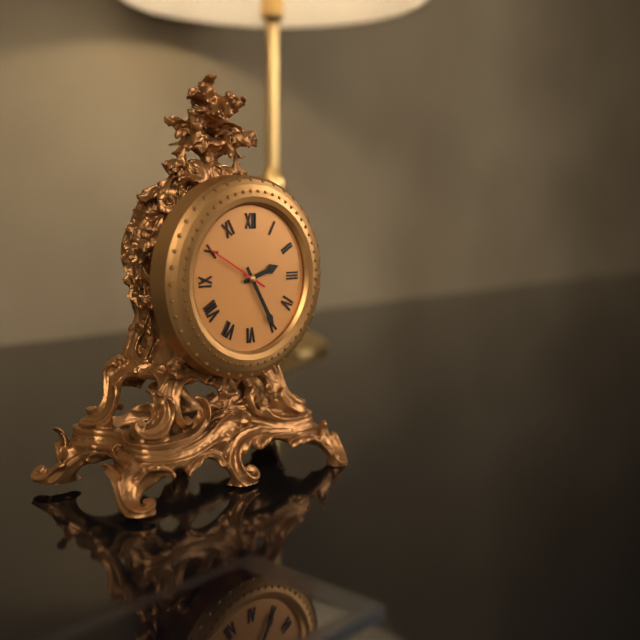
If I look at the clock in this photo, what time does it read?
2:25:50
